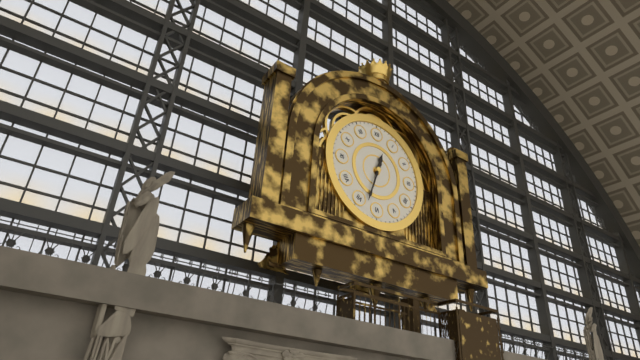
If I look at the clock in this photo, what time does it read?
12:33
